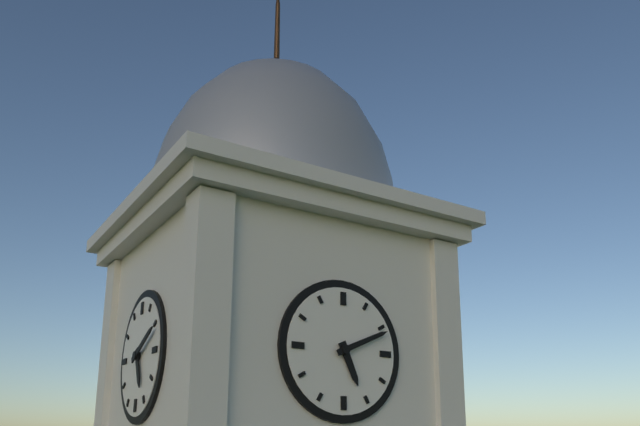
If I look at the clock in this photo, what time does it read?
5:11
